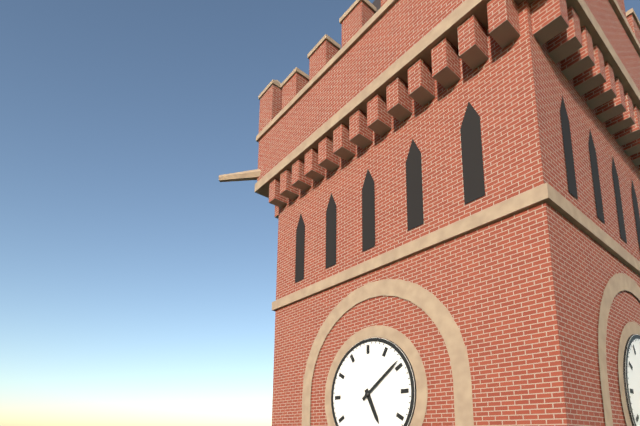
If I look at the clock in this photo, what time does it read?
5:09
